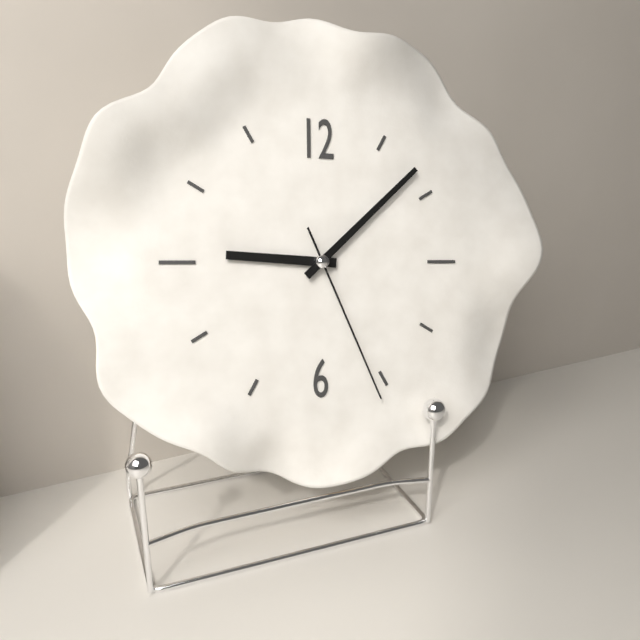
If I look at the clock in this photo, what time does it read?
9:08:26
